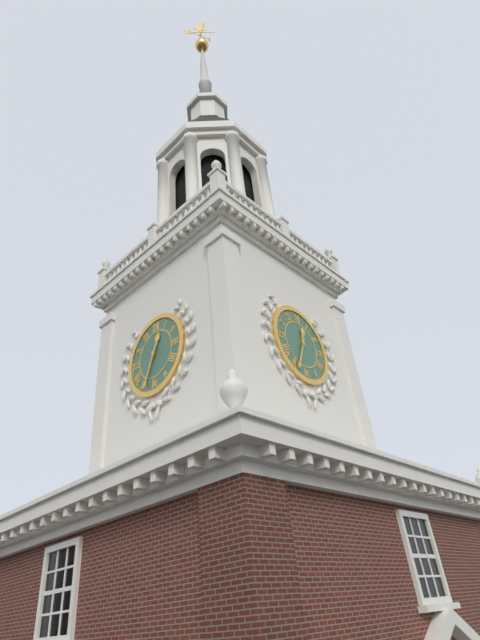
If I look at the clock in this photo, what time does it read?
12:34
